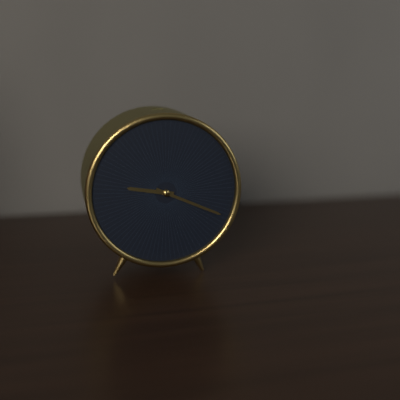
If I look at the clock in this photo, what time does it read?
9:19
